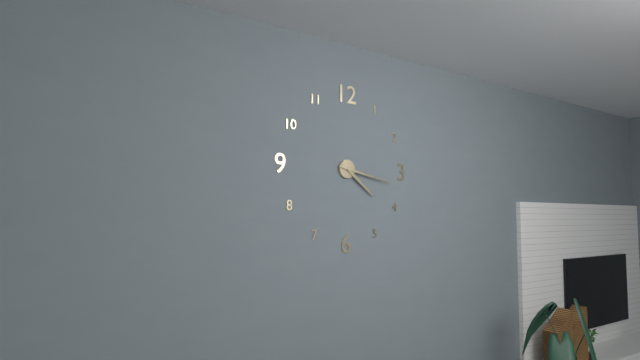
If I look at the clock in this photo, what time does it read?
4:17
